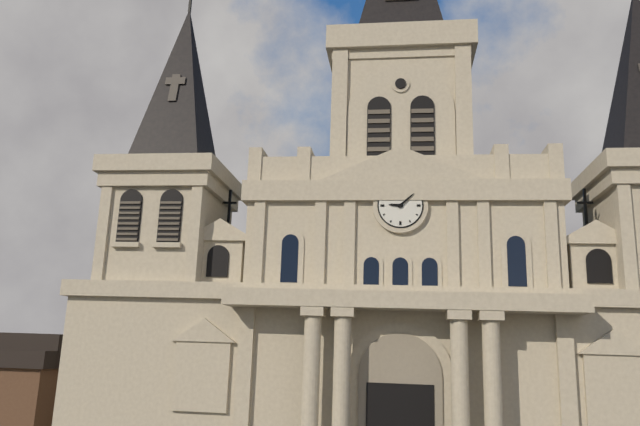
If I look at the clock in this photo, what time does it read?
9:08
